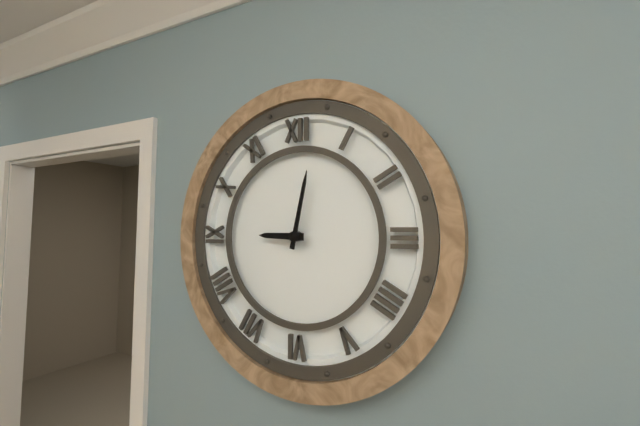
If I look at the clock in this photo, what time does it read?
9:02
